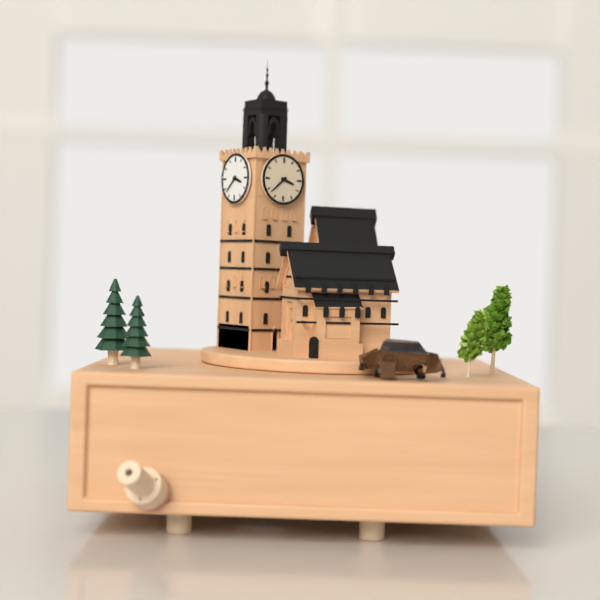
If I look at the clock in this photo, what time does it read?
3:38
